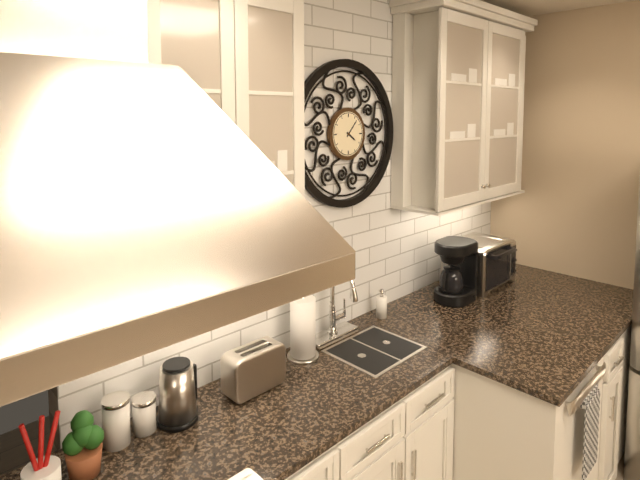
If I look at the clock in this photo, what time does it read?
4:07
